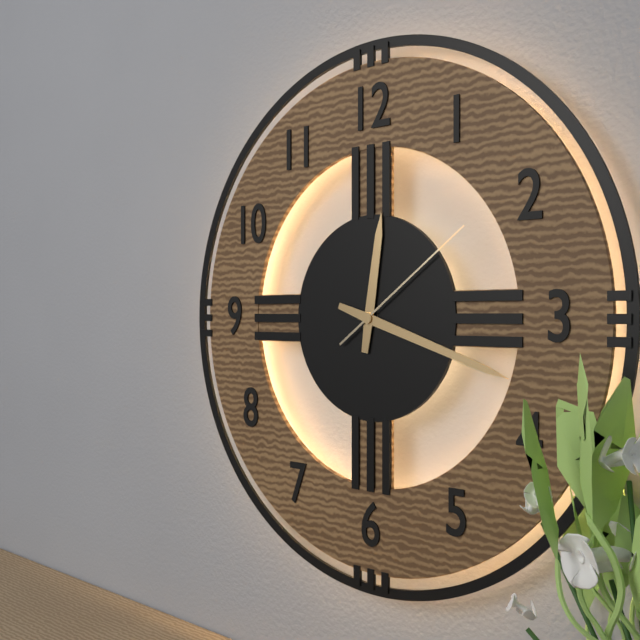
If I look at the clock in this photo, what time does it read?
12:18:09
